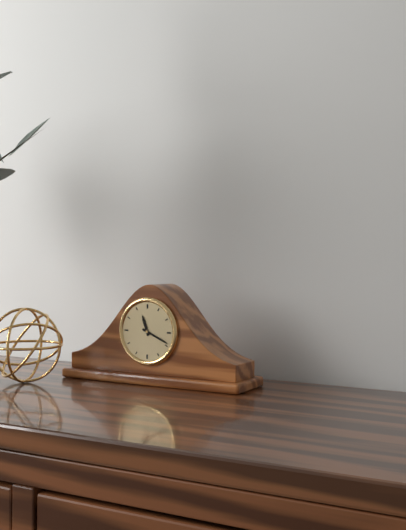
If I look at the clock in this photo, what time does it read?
11:19
